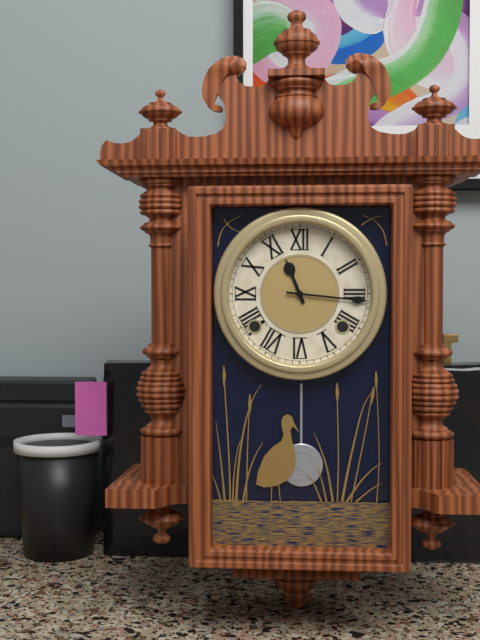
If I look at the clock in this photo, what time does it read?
11:16
